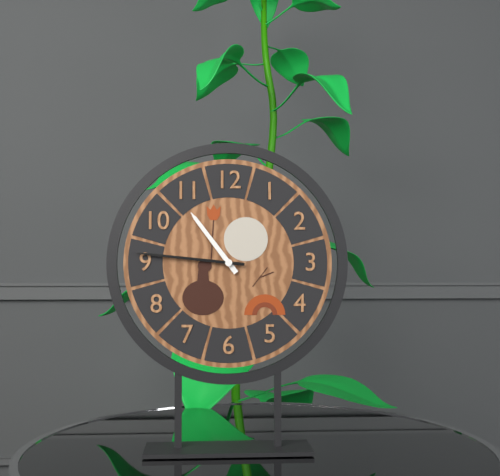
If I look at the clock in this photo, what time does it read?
10:46
